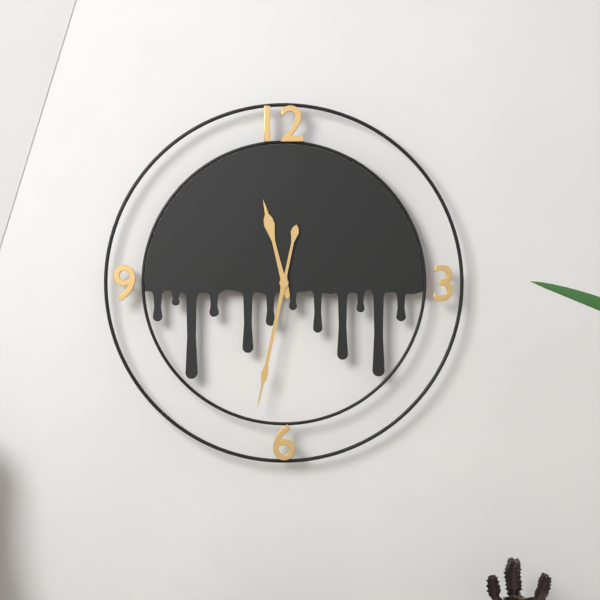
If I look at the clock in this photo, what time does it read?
11:32
